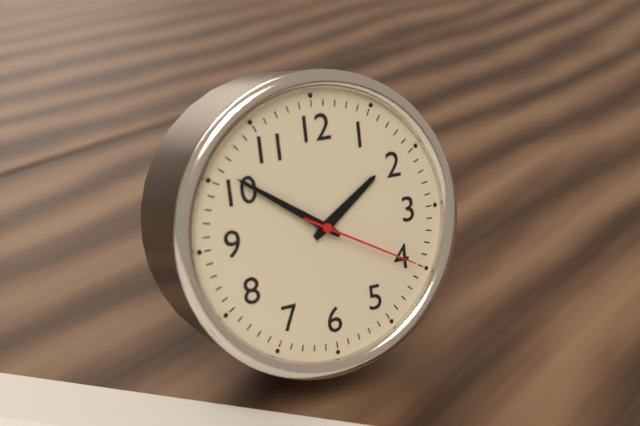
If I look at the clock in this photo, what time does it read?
1:51:20
